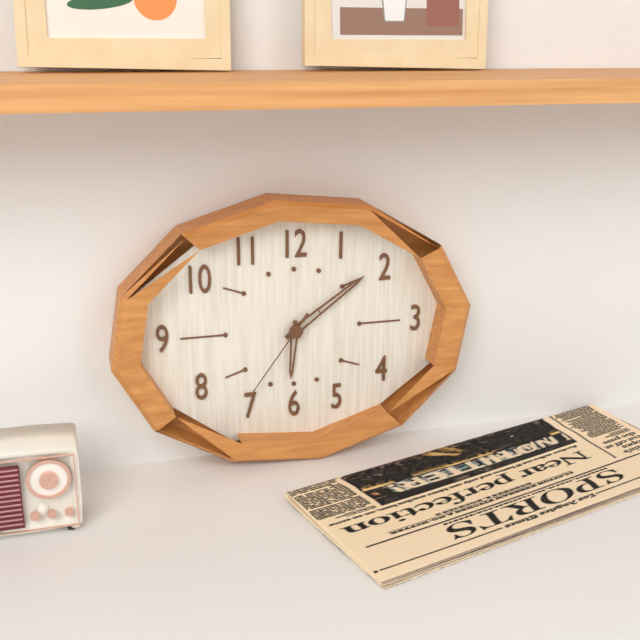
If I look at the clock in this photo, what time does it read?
6:09:36
